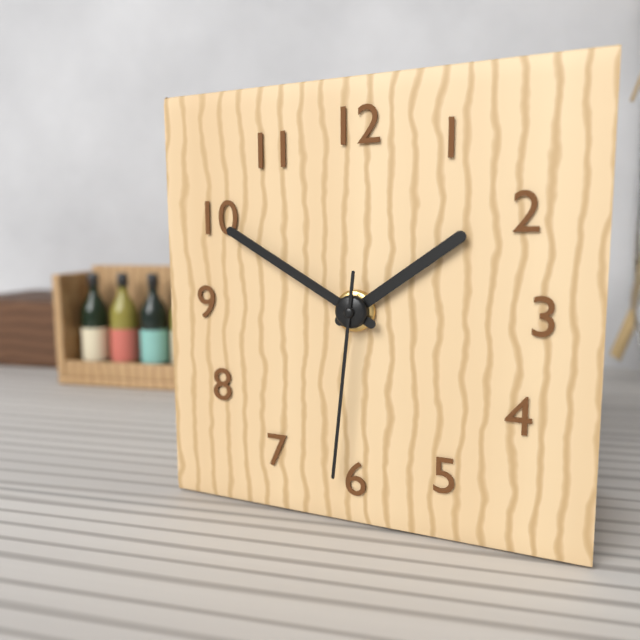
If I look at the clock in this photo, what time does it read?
1:50:31
